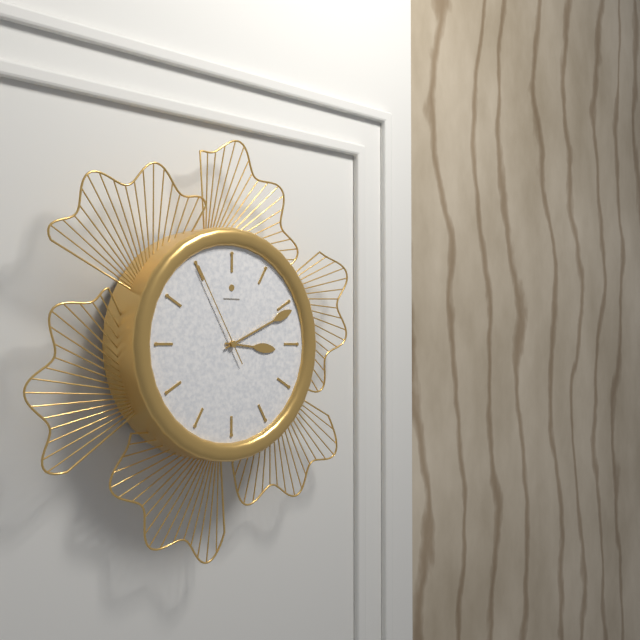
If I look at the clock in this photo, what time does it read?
3:11:55
